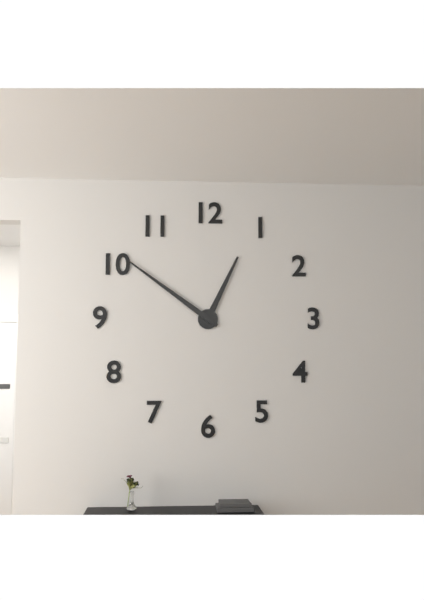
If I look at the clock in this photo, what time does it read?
12:51
